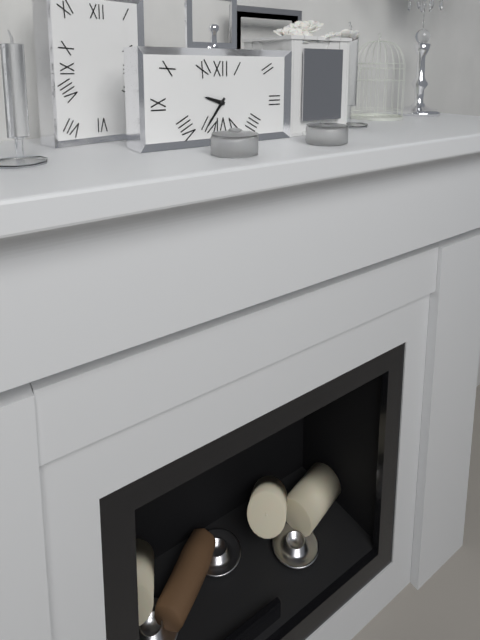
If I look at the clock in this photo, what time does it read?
9:36
